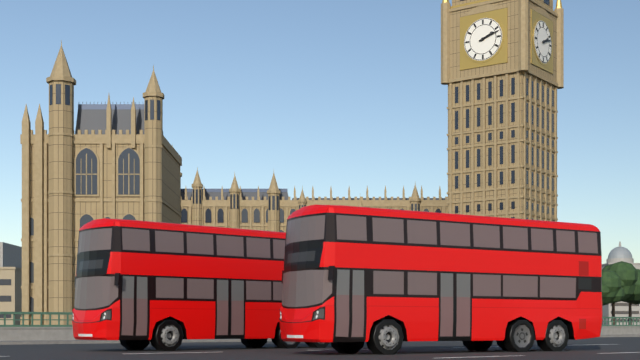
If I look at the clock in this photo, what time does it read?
2:12
